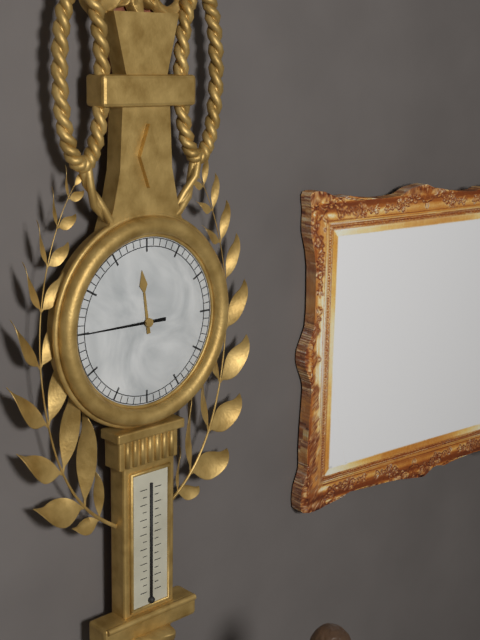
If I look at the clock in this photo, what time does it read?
11:45
